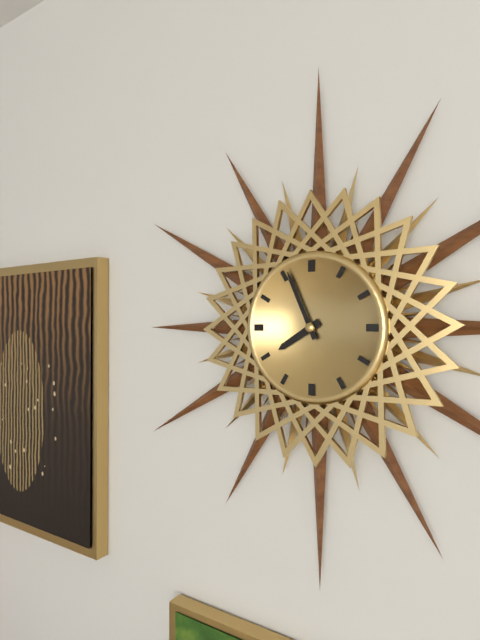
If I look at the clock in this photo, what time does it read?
7:56
